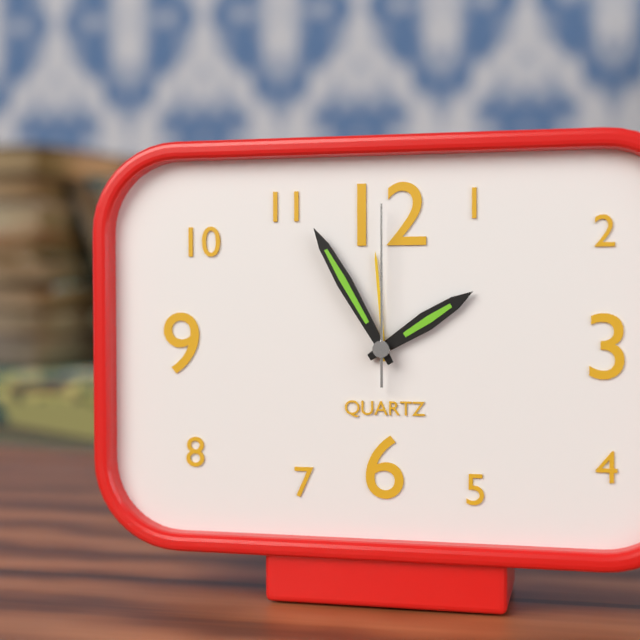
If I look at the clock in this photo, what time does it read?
1:55:00
